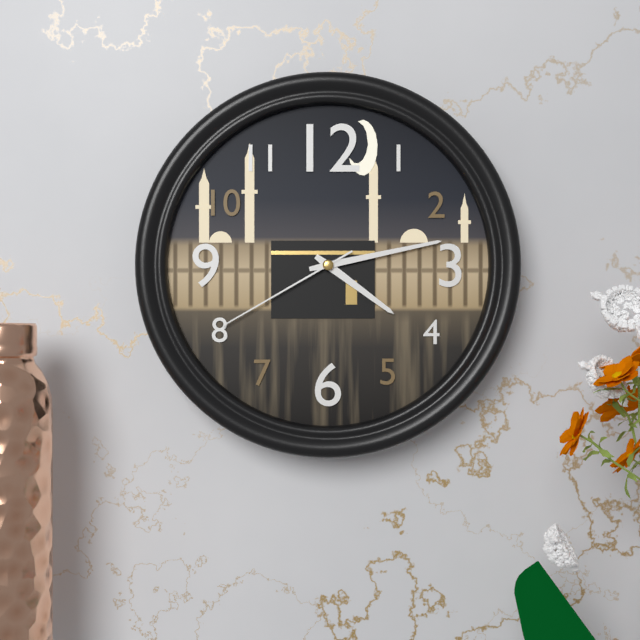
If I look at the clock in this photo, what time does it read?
4:13:40
